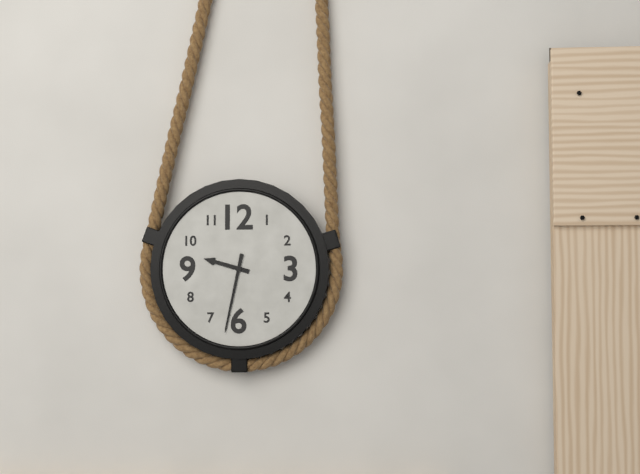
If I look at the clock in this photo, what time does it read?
9:32
